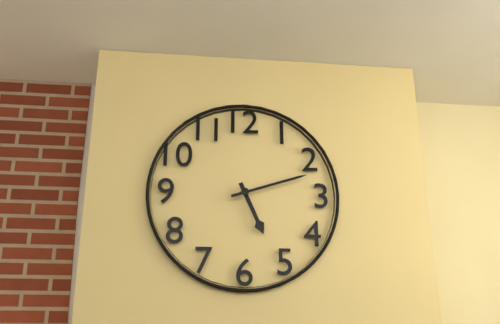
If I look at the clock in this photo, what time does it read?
5:12
